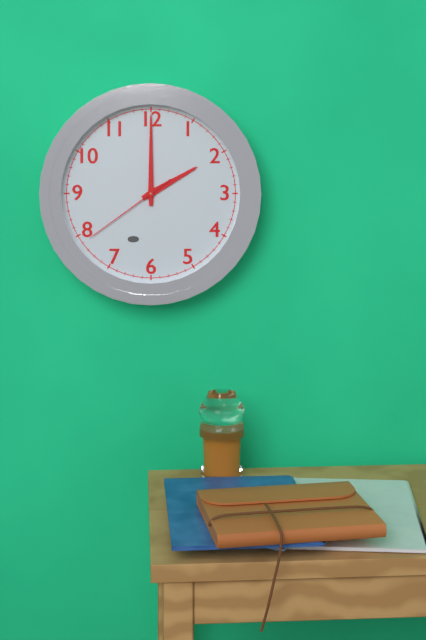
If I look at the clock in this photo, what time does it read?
2:00:39
